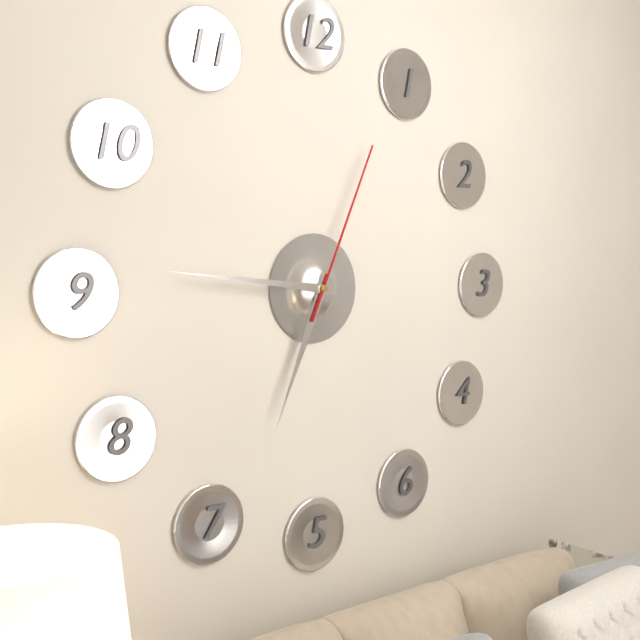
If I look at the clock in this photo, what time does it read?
6:46:04
